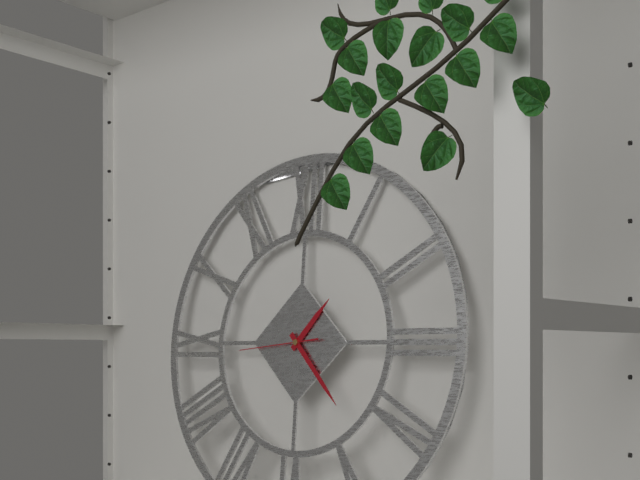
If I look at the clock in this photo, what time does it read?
1:23:44
